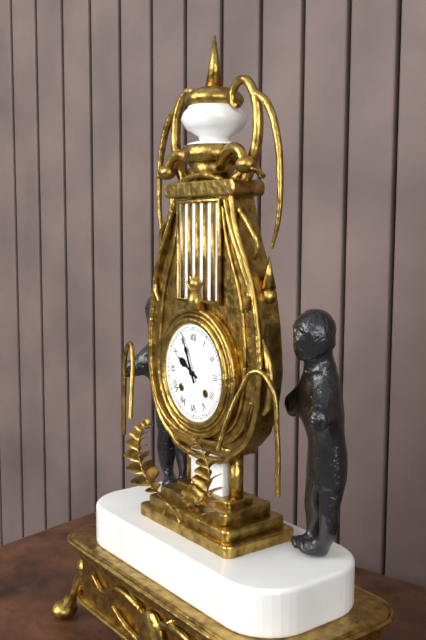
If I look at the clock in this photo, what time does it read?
9:56
